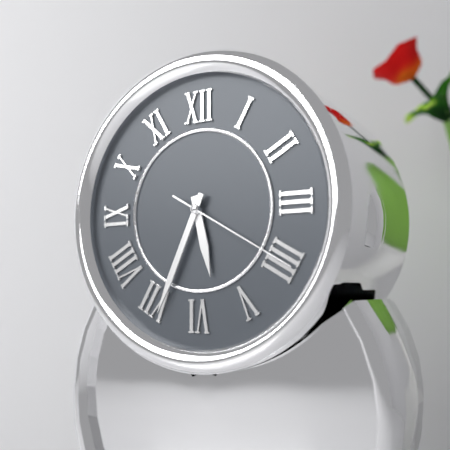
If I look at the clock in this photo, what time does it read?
5:34:20
